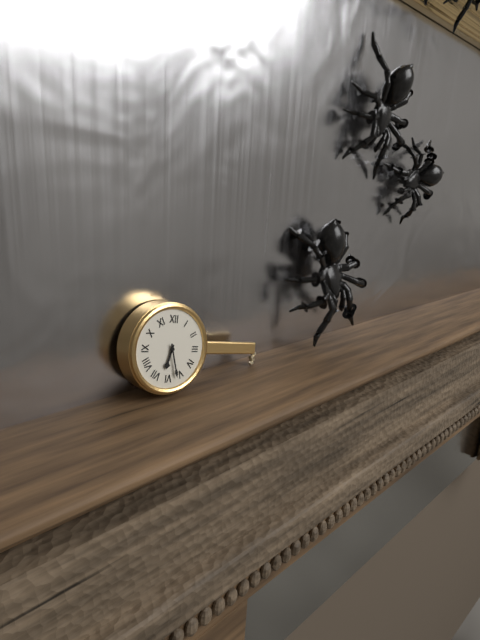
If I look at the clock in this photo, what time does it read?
6:27
